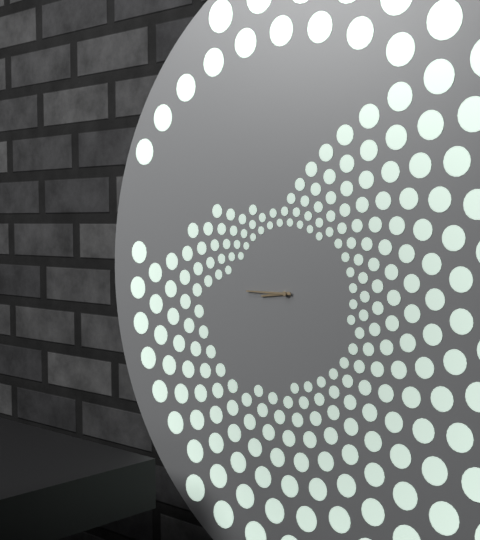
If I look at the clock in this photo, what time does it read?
8:45
